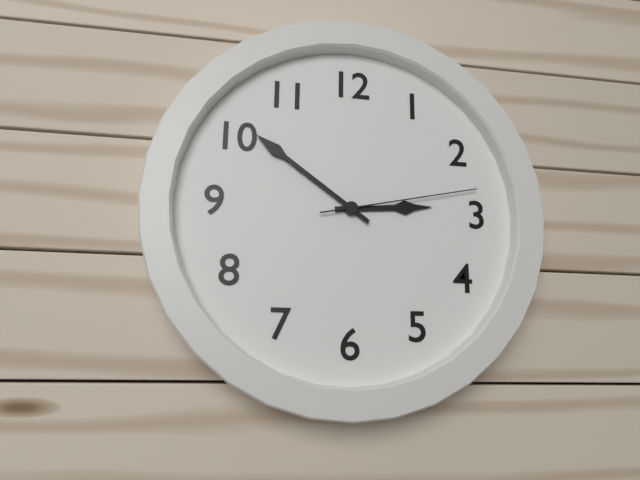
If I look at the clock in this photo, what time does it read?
2:51:13
